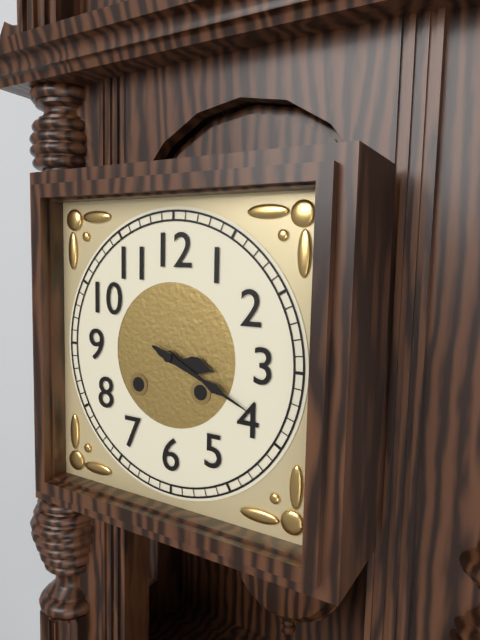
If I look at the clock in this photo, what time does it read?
3:19
